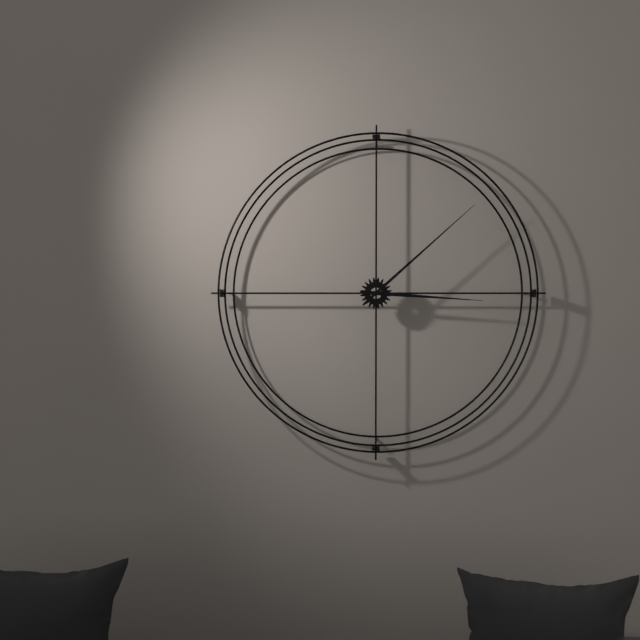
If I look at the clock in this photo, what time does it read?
3:08
